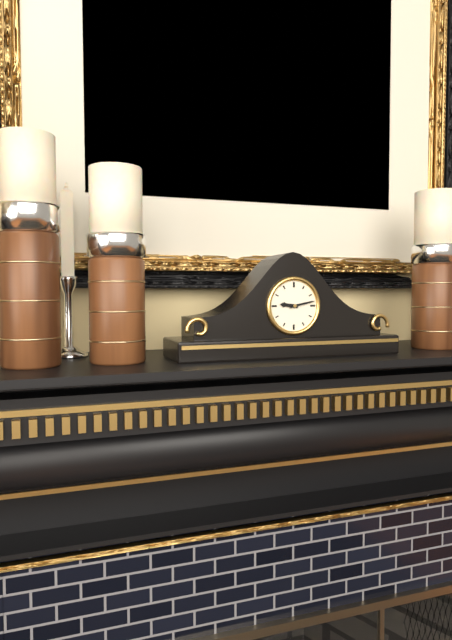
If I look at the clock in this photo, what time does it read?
9:13
